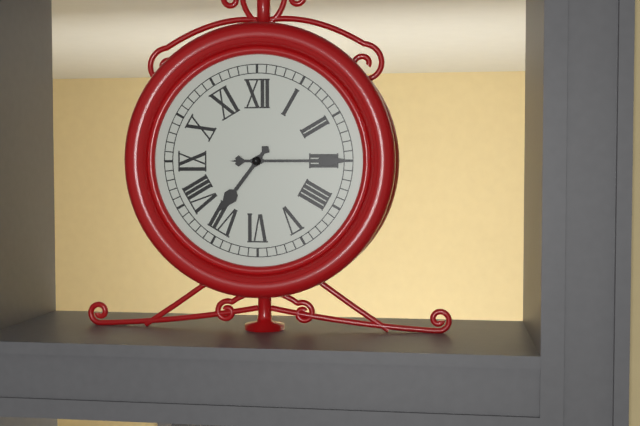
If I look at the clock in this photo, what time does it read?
7:15
